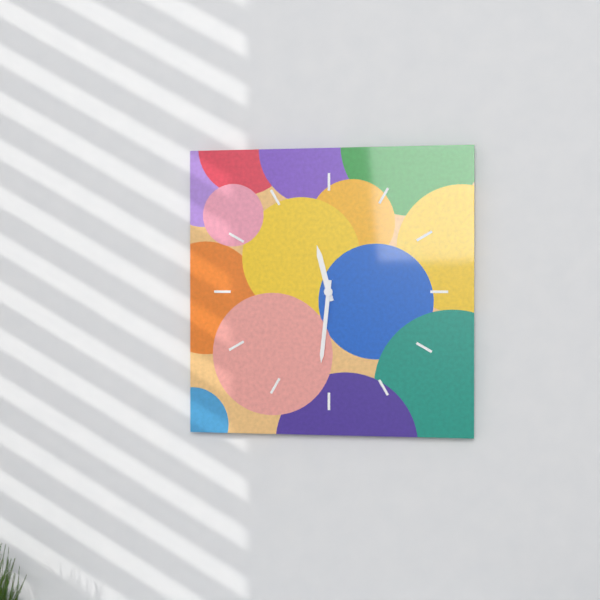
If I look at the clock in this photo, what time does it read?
11:31
